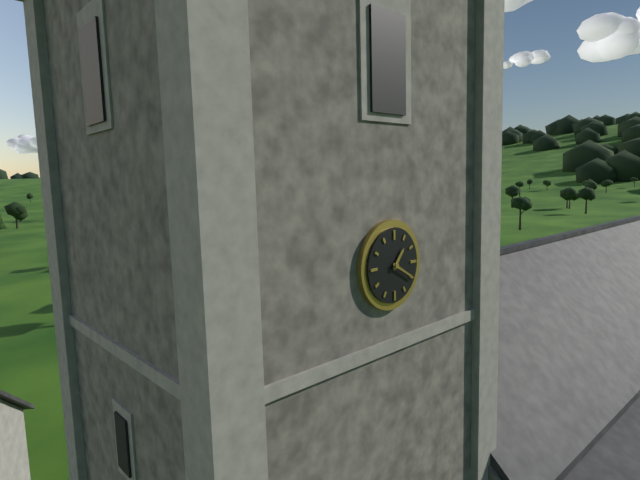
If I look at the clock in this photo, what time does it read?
1:20
